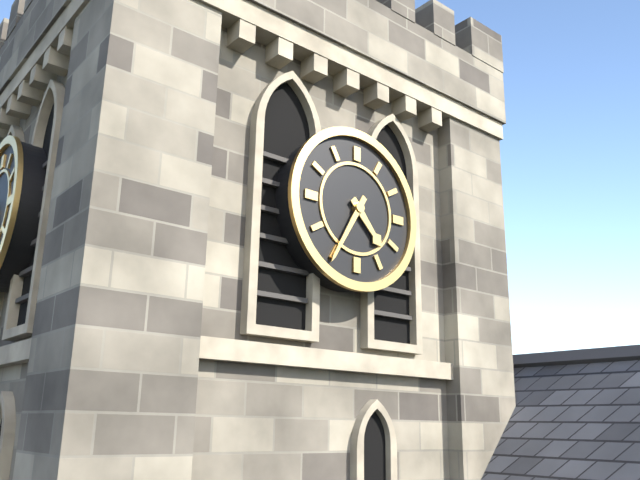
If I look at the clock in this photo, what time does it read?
4:35
